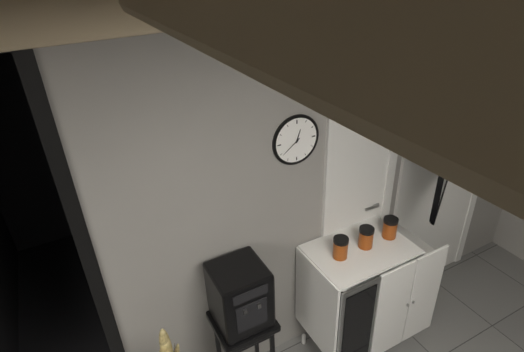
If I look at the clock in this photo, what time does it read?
12:39
